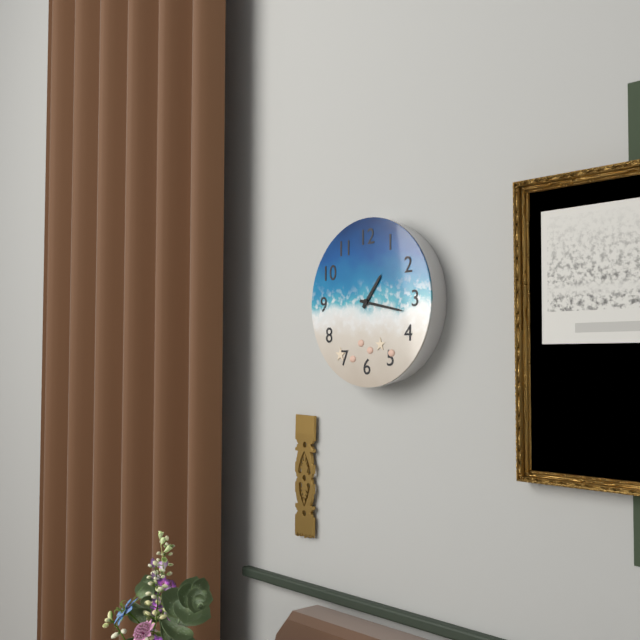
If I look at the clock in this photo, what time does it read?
1:17
